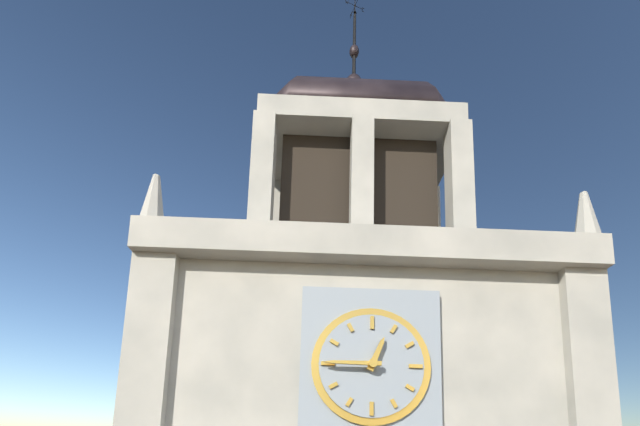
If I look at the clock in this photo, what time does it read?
12:45
